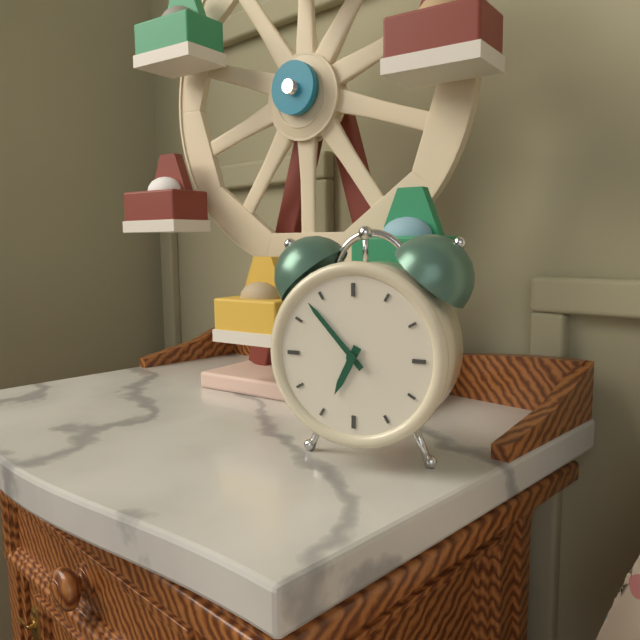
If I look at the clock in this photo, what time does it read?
6:53
